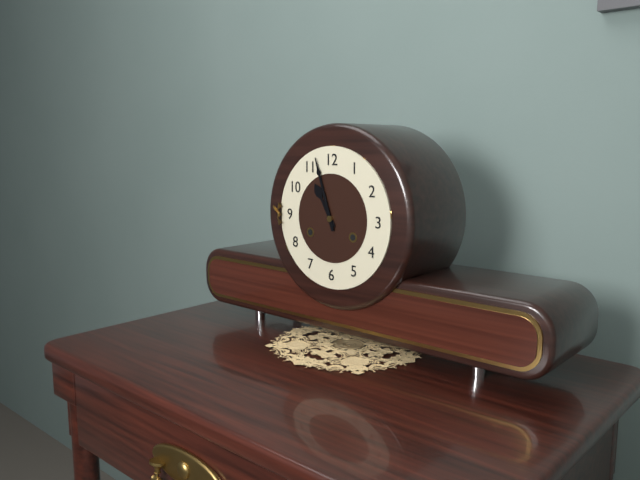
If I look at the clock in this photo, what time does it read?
10:57
